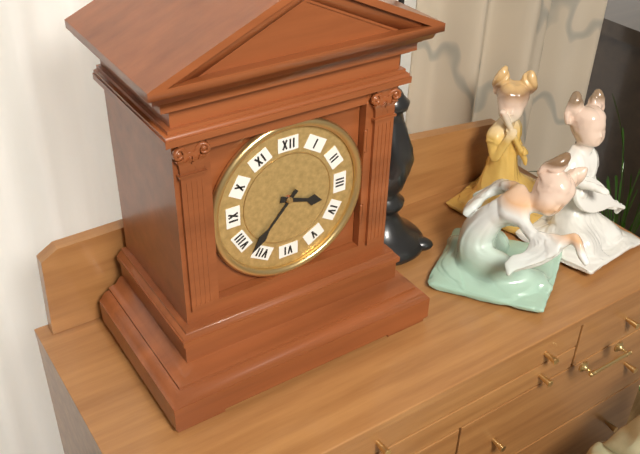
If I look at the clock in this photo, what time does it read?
3:37
